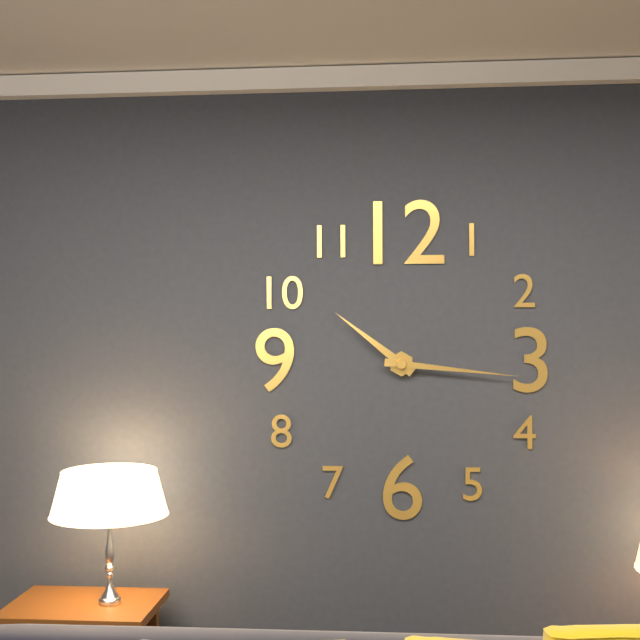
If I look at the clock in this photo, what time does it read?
10:16
